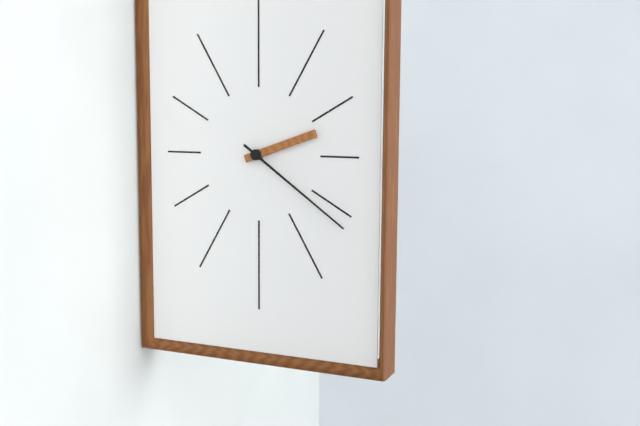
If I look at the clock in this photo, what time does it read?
2:21
